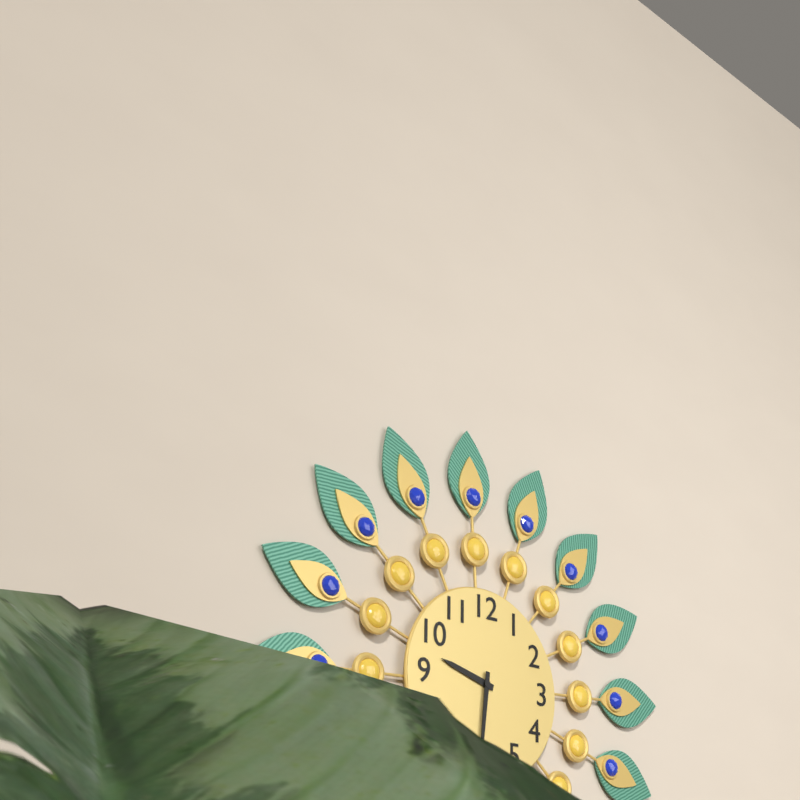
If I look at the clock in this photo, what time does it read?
9:31
